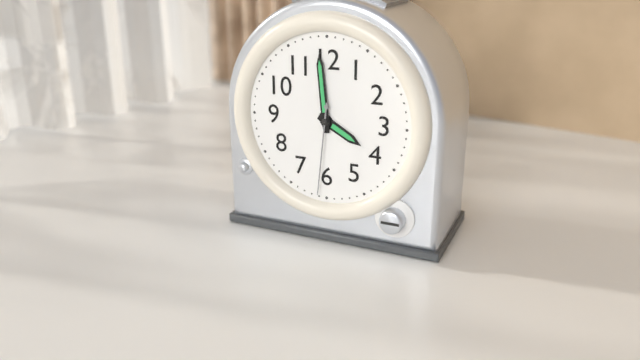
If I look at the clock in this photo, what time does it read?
3:59:31
